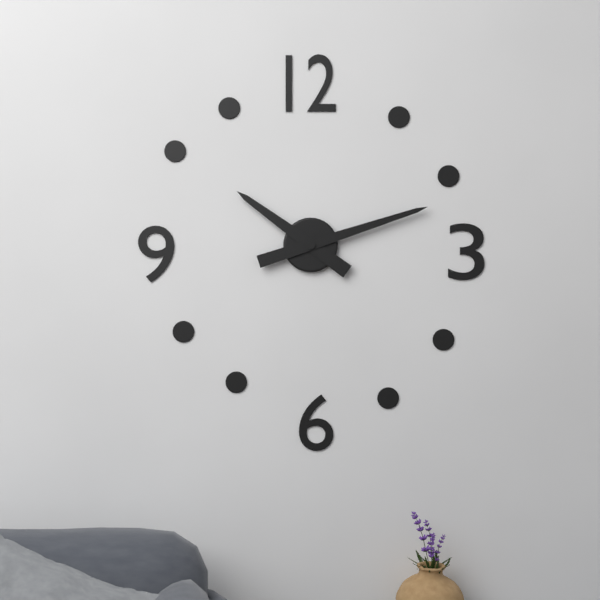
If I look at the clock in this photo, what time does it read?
10:12
